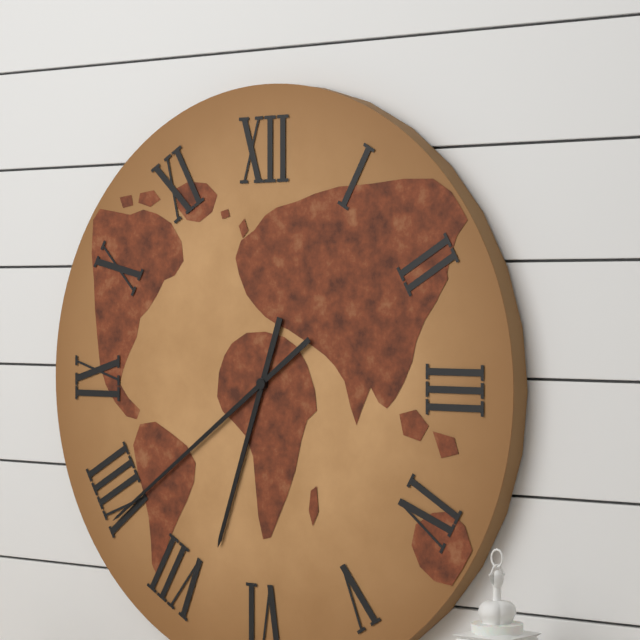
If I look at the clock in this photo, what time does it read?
6:39
